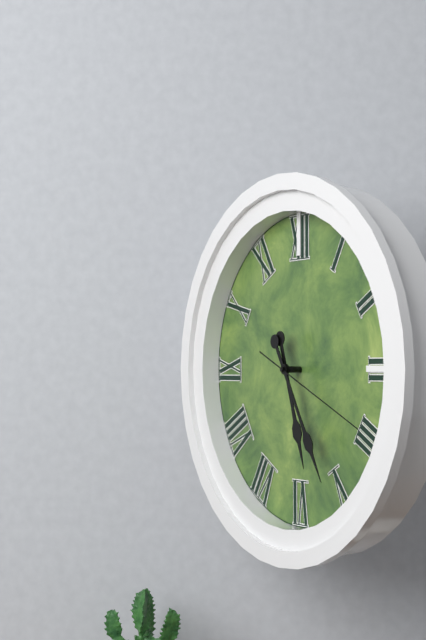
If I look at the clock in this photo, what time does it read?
5:25:19
